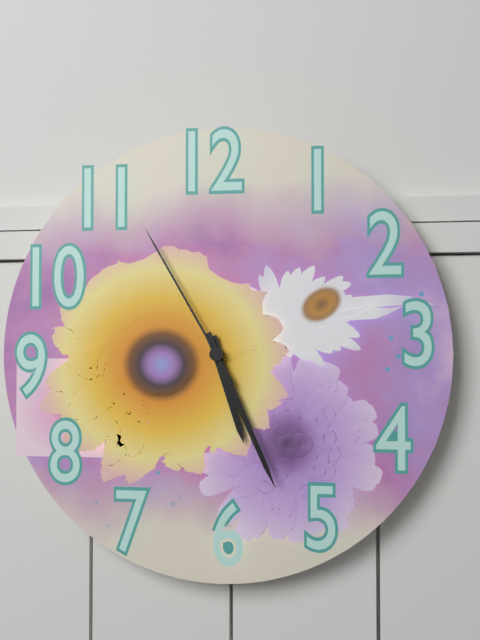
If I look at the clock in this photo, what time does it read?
5:26:55
